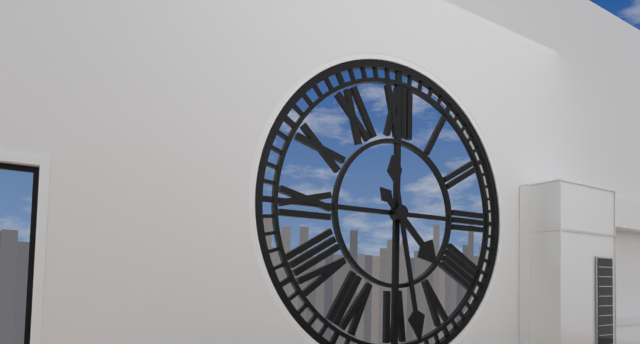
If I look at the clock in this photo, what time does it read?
4:28
